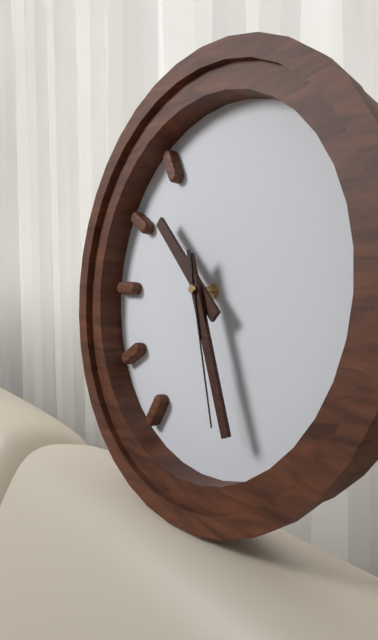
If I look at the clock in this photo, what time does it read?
10:26:27
